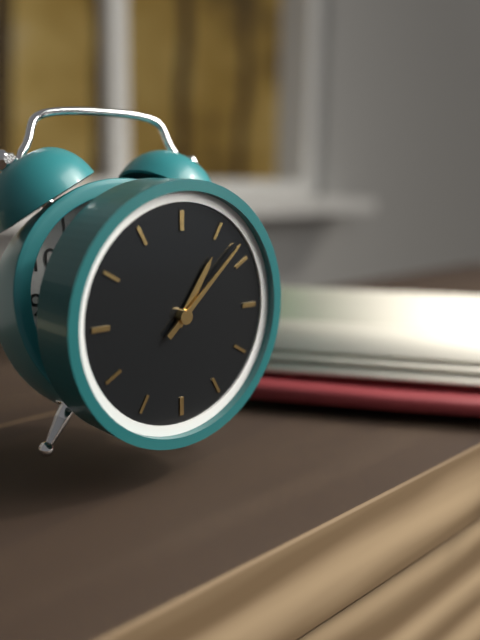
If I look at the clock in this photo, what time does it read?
1:08
